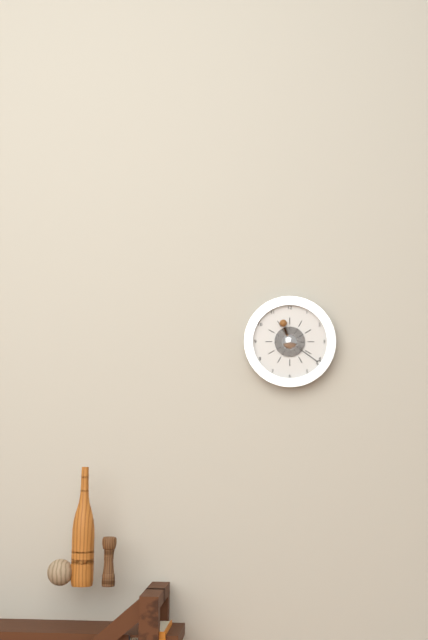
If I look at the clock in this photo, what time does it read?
11:21
